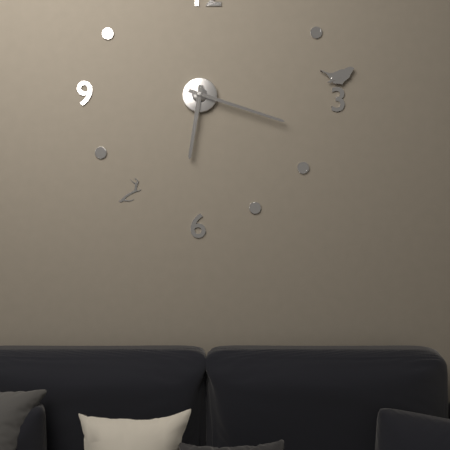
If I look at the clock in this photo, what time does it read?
6:18
